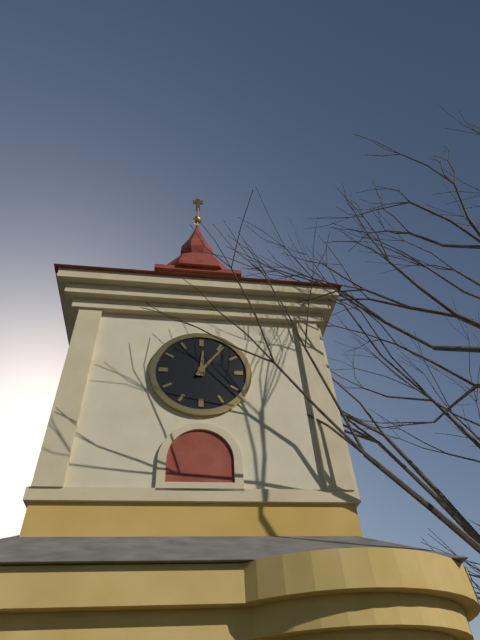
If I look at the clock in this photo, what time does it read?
12:06
